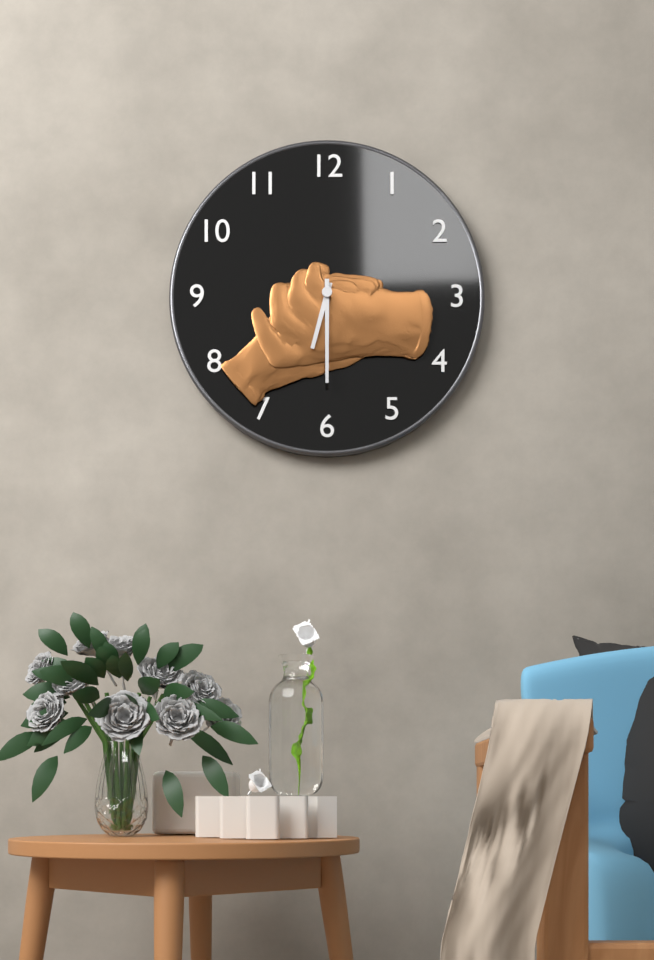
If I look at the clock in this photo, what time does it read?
6:30
